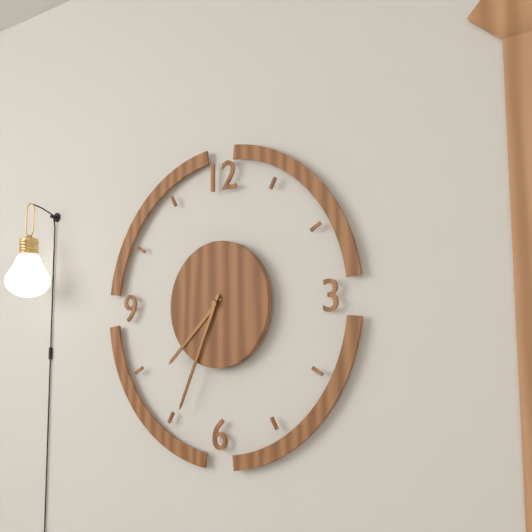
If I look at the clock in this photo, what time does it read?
7:34
